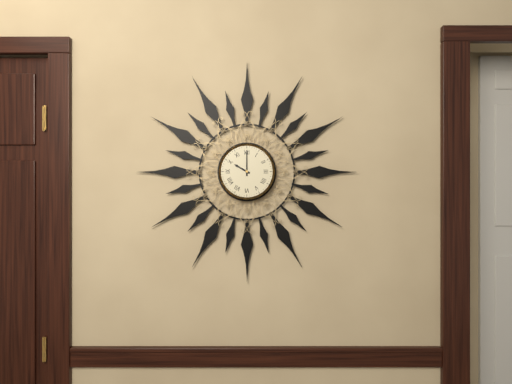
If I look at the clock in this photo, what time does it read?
10:00
